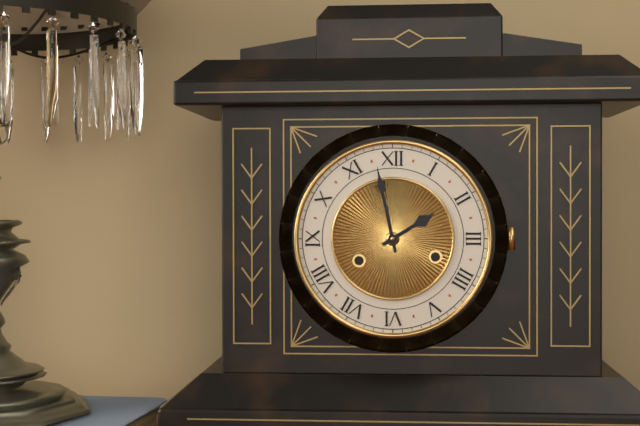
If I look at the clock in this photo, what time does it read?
1:58
